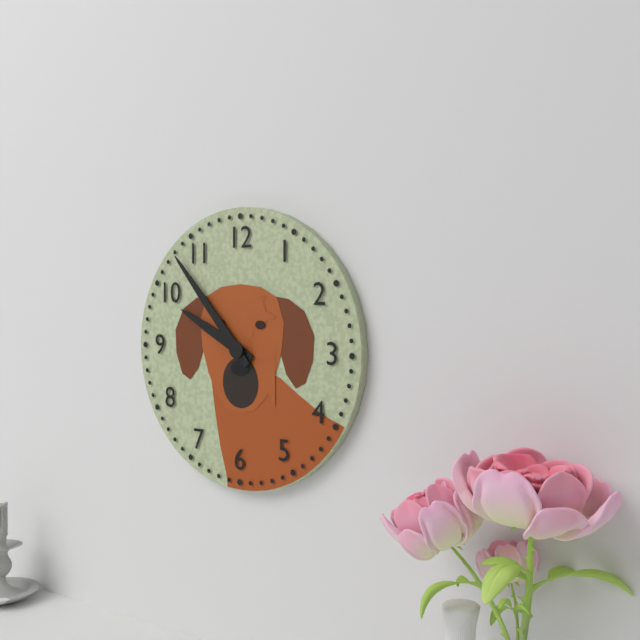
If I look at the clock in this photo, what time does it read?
9:53
